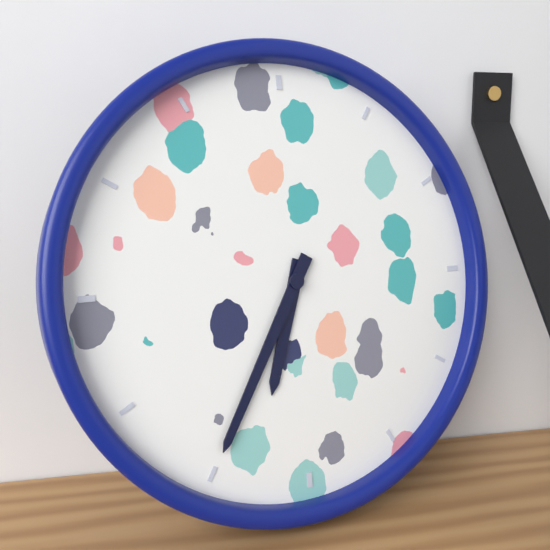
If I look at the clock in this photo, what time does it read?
6:35
